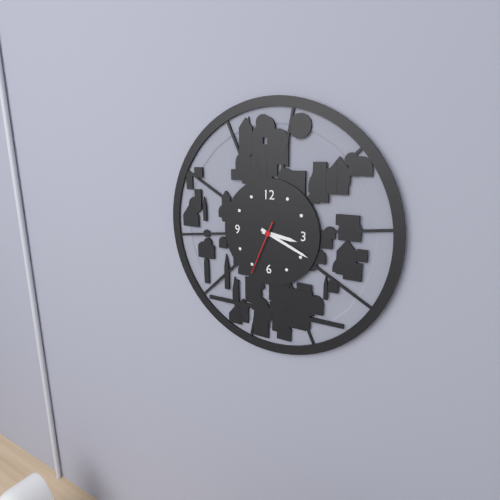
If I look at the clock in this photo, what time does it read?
3:19:34
